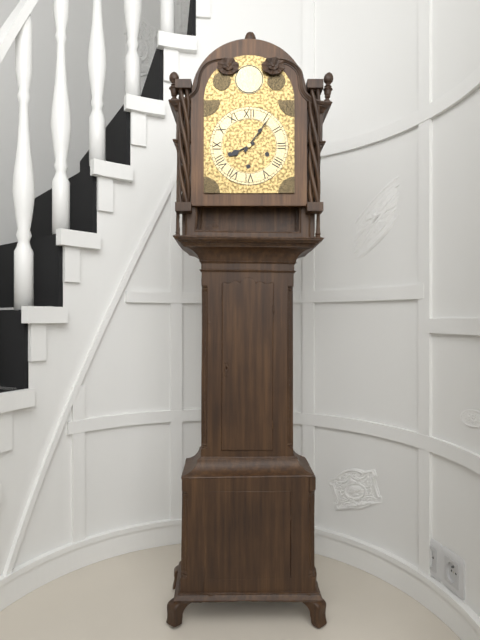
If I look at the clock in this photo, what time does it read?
8:06
